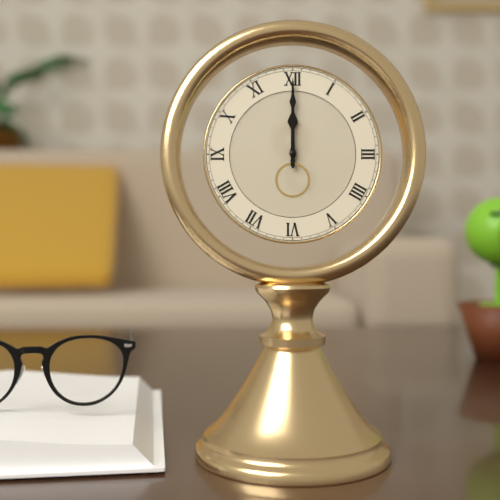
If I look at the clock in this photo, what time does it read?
12:00
